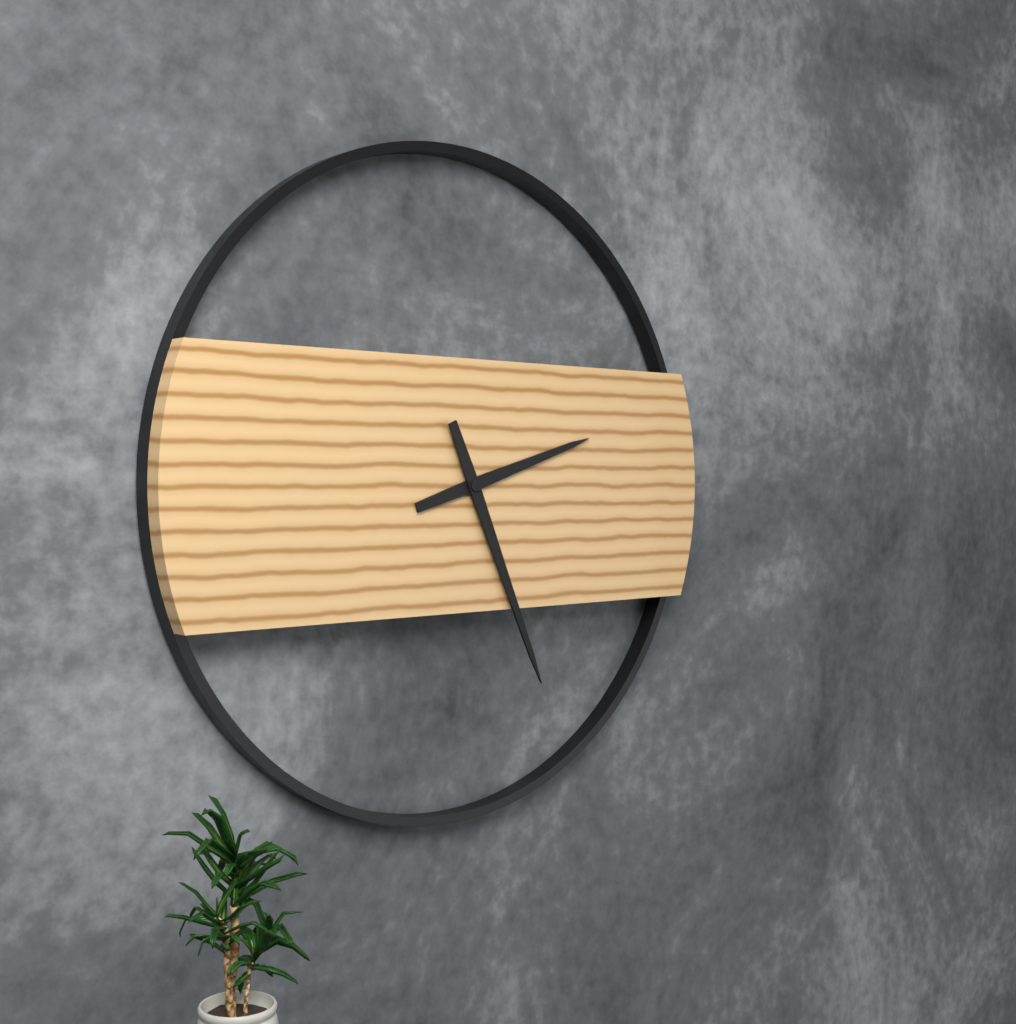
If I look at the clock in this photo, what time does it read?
2:26
